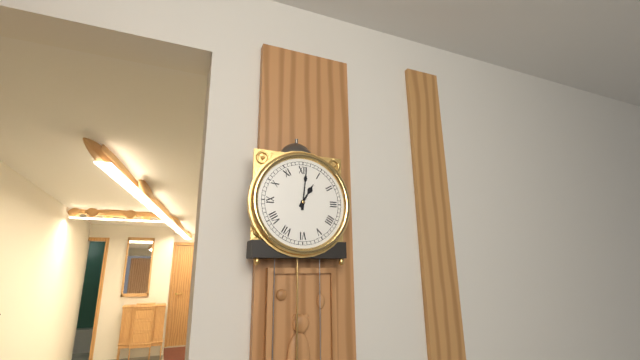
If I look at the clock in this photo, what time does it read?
1:01
